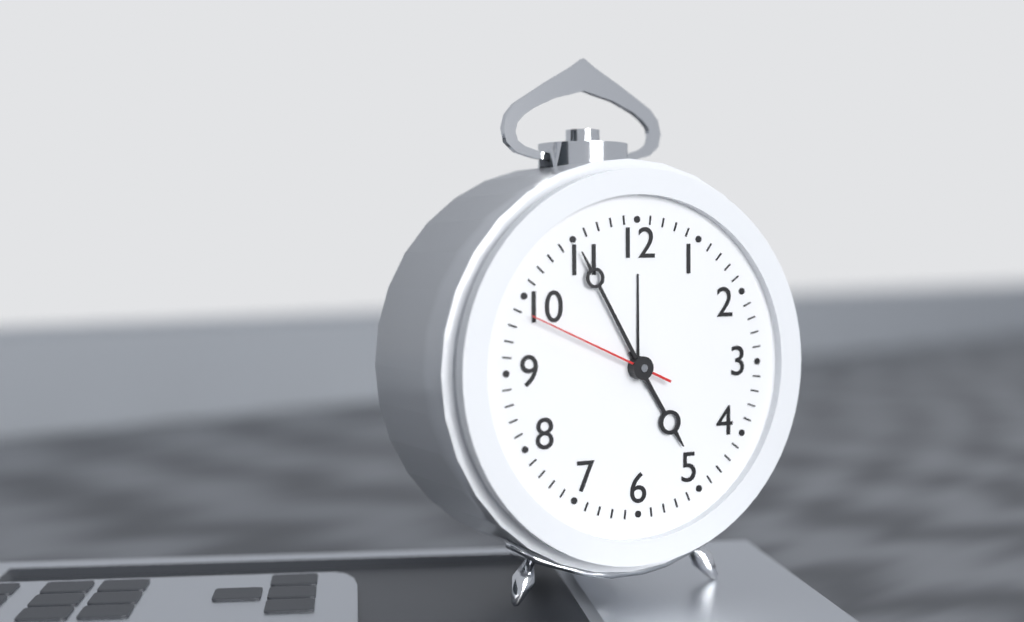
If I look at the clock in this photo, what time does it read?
4:55:49
